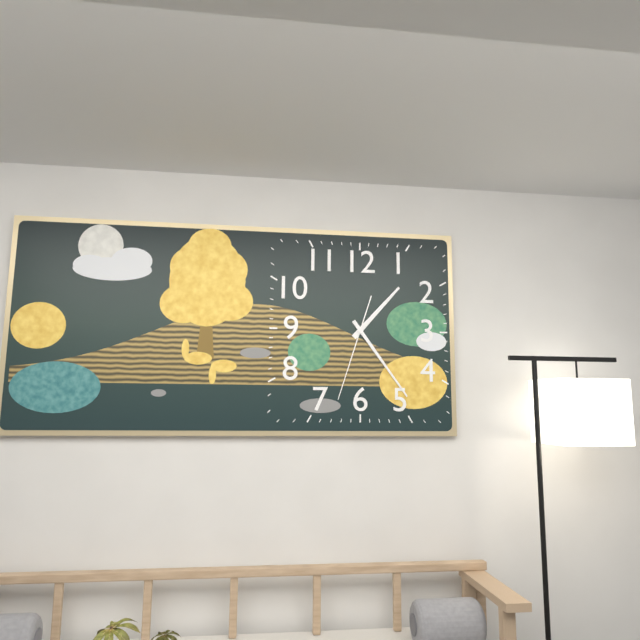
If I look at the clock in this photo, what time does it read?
1:24:33
